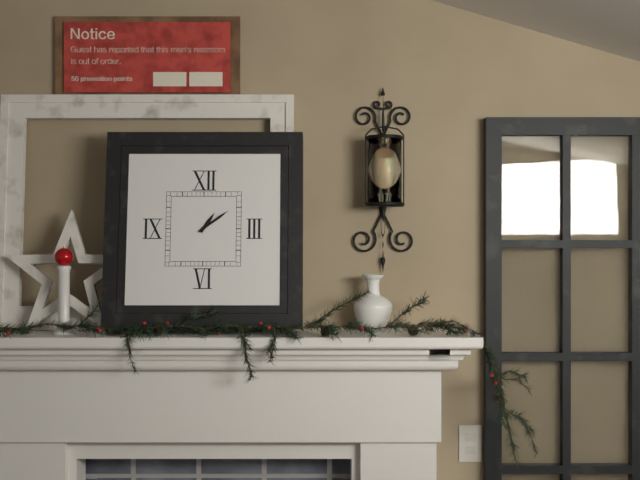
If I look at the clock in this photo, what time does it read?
1:09
